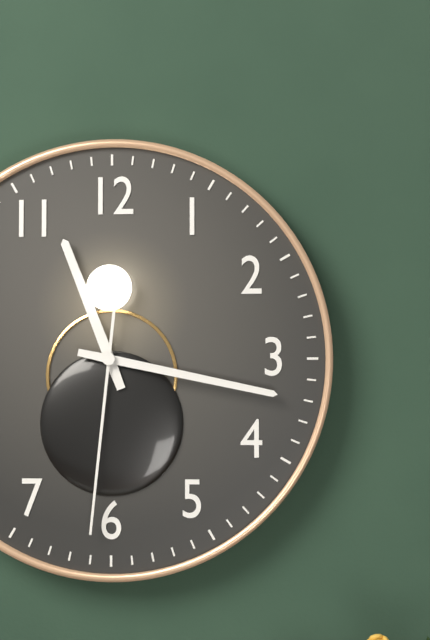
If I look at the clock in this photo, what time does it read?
11:17:31
